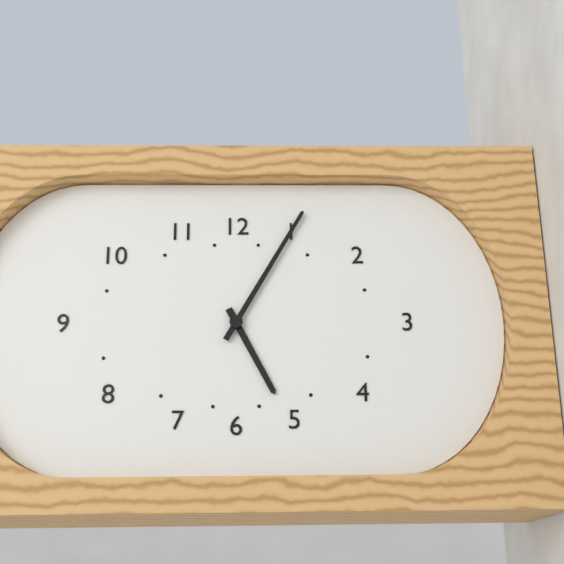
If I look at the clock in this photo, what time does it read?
5:05
